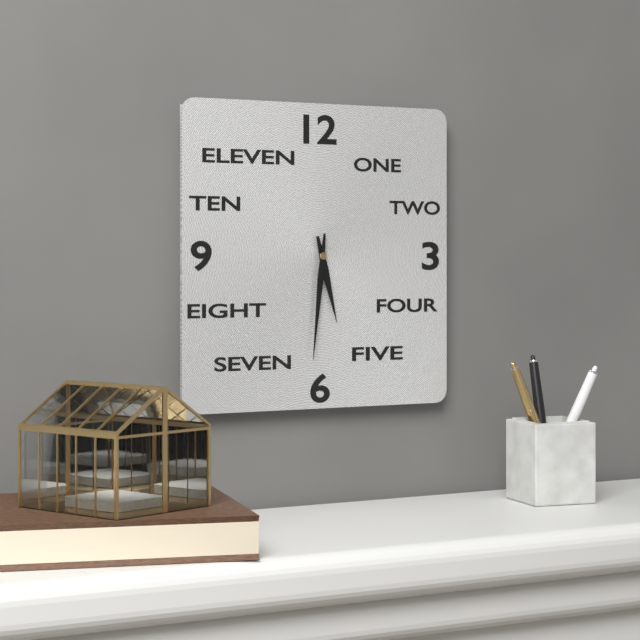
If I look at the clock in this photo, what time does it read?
5:31
